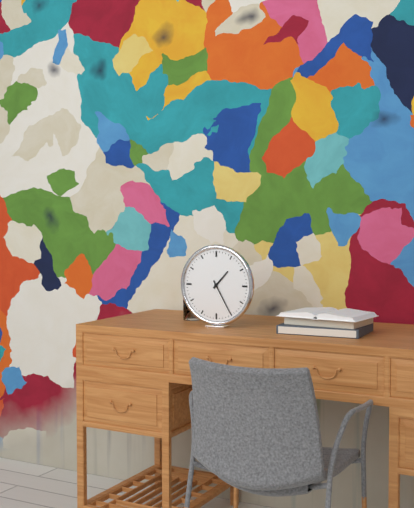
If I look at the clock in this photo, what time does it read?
1:25
